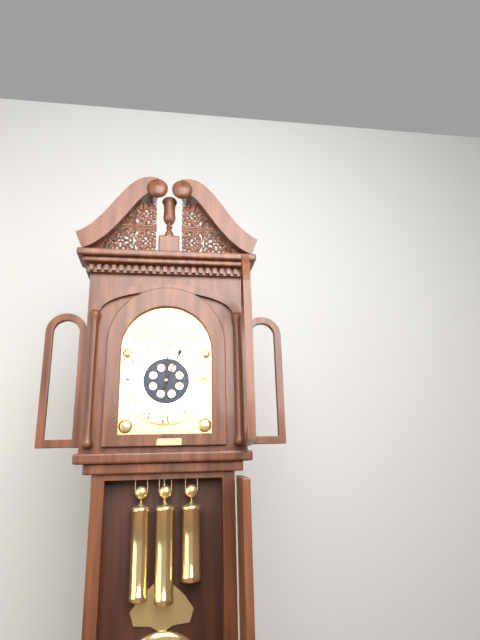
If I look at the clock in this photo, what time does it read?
12:04
